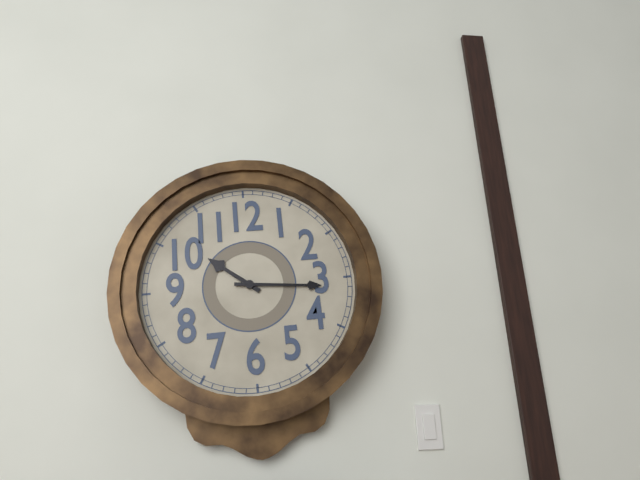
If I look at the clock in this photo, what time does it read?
10:16
